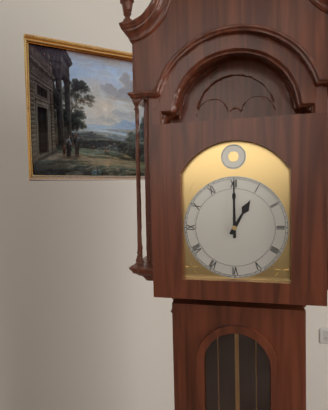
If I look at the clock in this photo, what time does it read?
1:00
